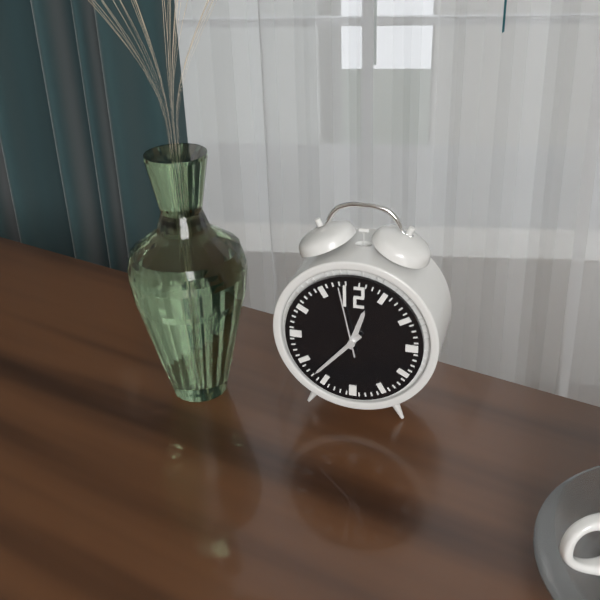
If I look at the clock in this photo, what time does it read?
12:37:58
